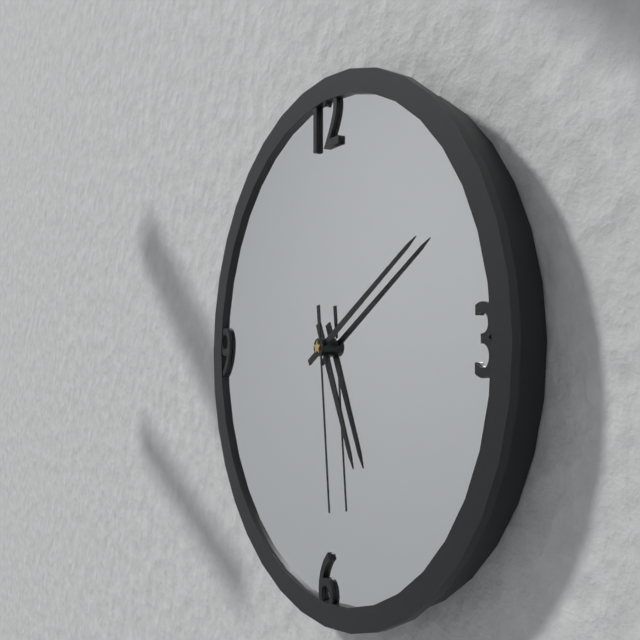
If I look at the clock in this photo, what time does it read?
5:10:29
